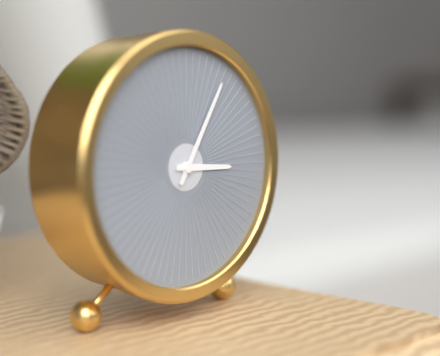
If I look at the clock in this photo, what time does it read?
3:05
